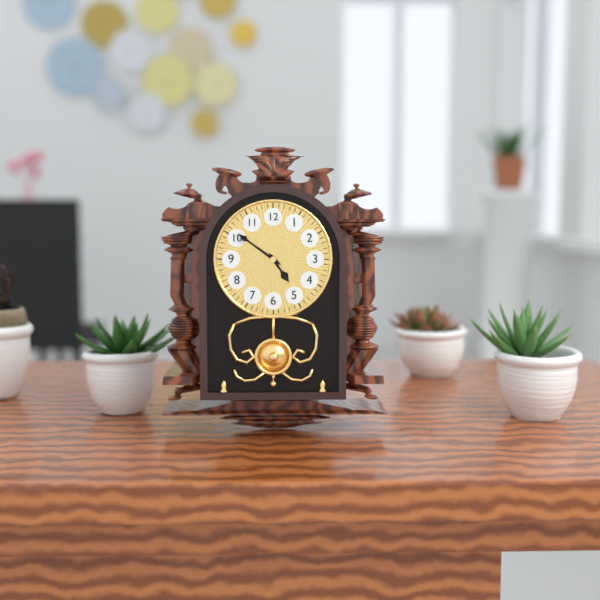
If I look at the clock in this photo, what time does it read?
4:51
